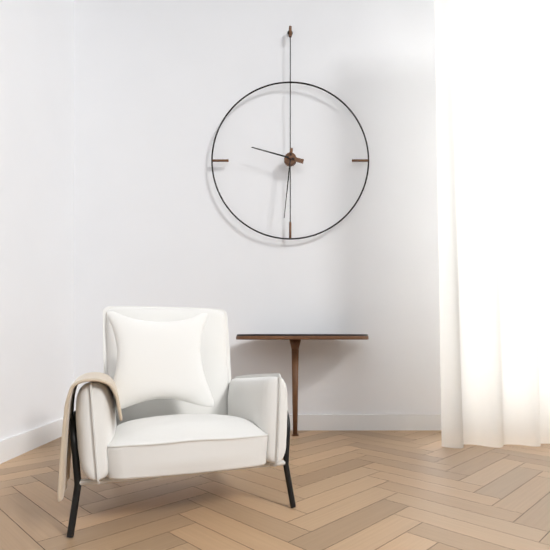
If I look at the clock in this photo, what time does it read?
9:31
